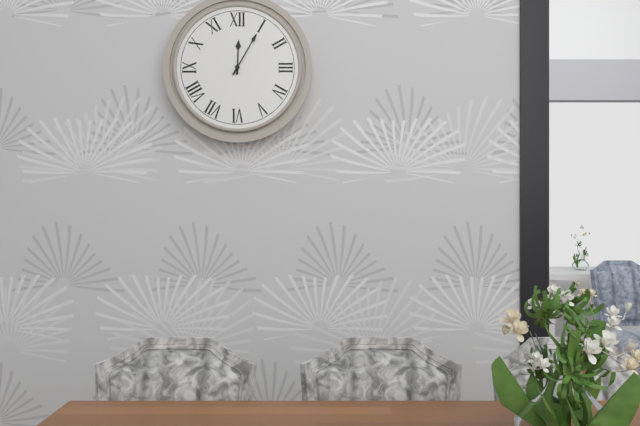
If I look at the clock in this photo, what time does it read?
12:05
